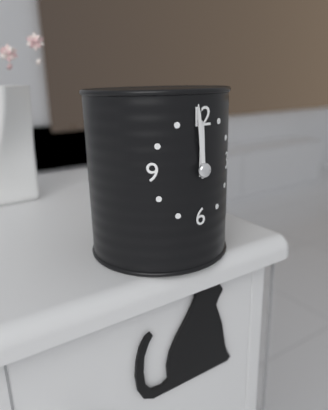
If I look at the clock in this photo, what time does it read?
11:59
